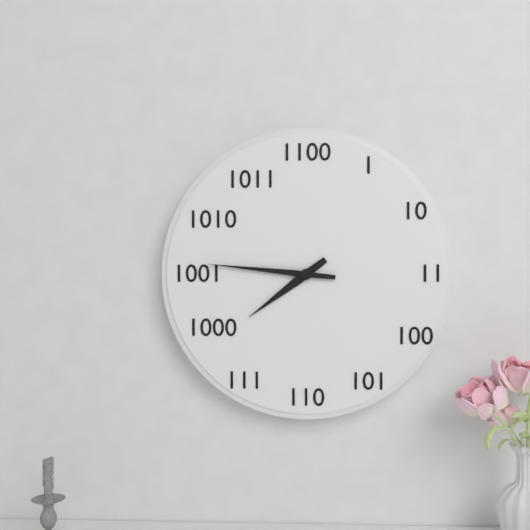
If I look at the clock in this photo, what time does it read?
7:46
